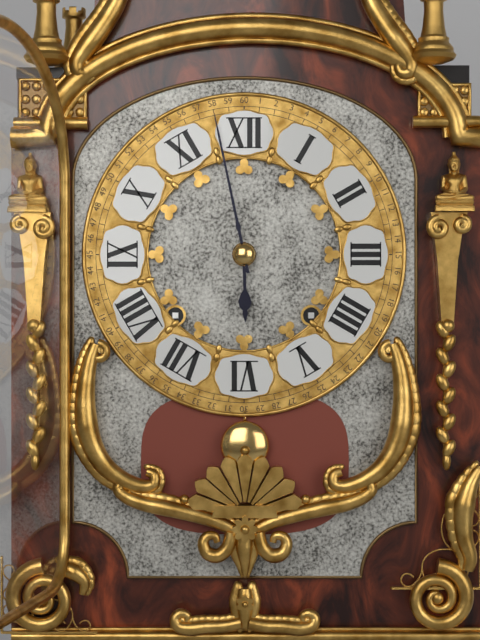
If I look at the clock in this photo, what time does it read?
5:58
